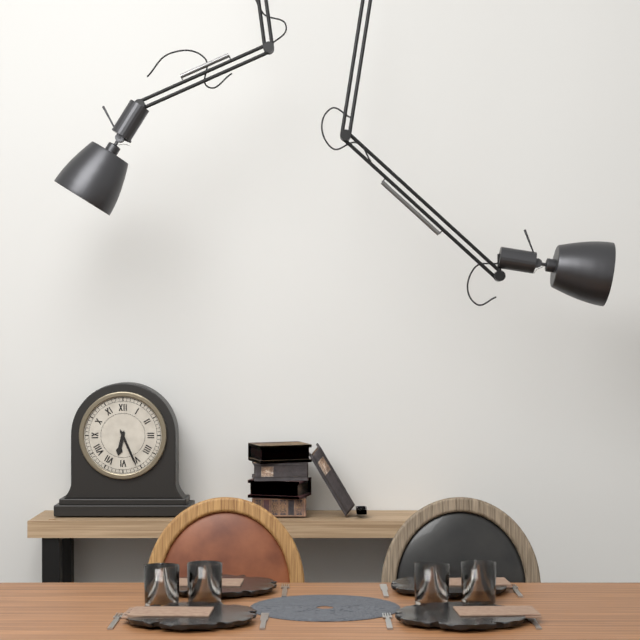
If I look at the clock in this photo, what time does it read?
6:26
